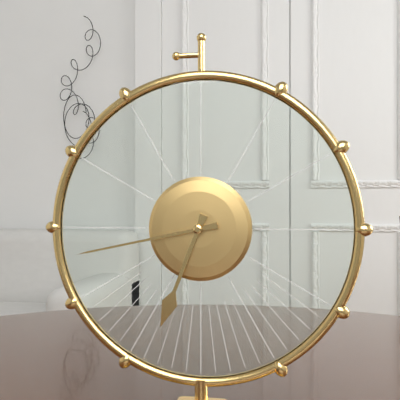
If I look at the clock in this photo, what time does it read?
6:43
